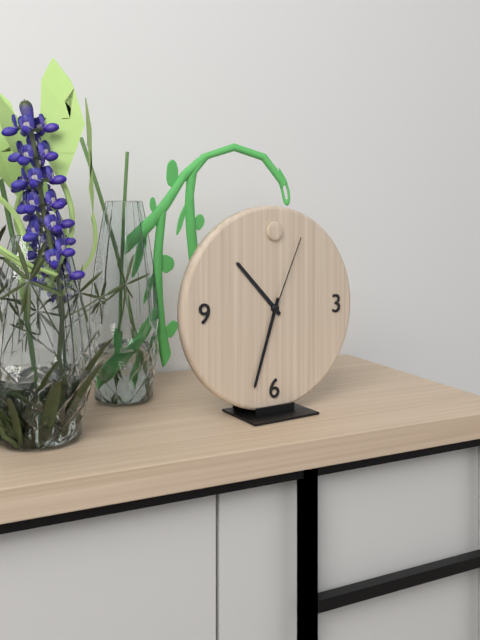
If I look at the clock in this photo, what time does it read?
10:33:04
